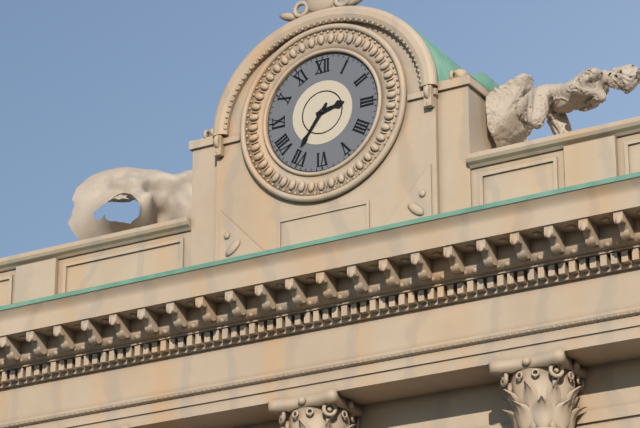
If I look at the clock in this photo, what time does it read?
2:36
